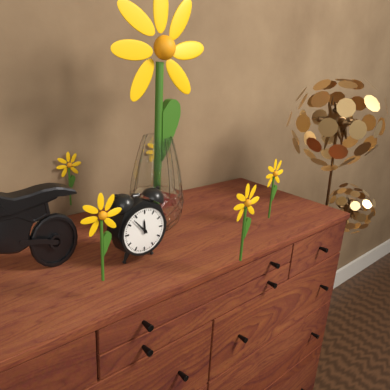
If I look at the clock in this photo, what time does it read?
11:53
